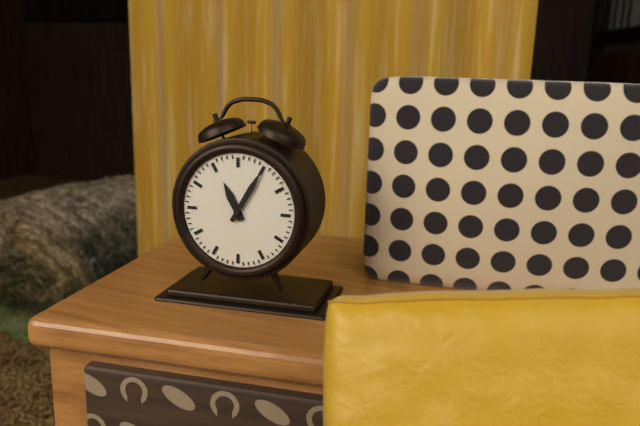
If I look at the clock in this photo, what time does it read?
11:05
